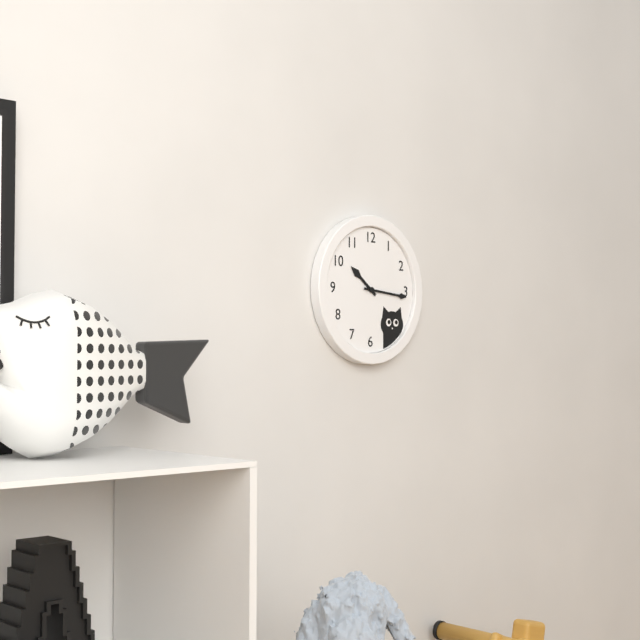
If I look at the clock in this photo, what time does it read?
10:16
